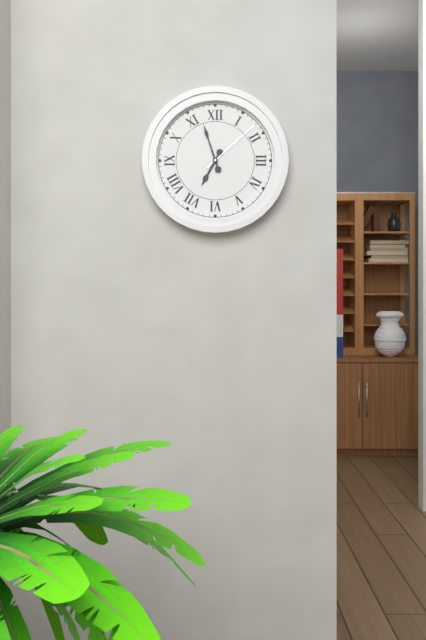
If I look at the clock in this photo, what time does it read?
6:57:08
